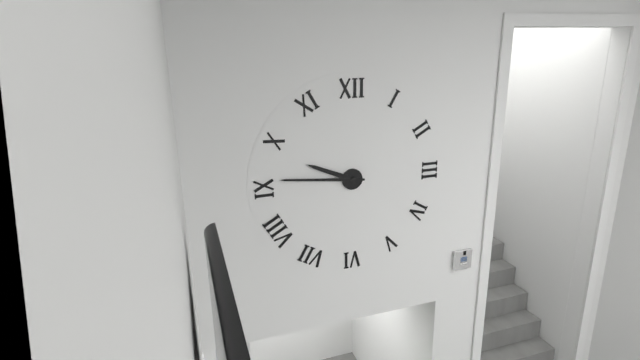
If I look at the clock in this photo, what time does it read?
9:46
